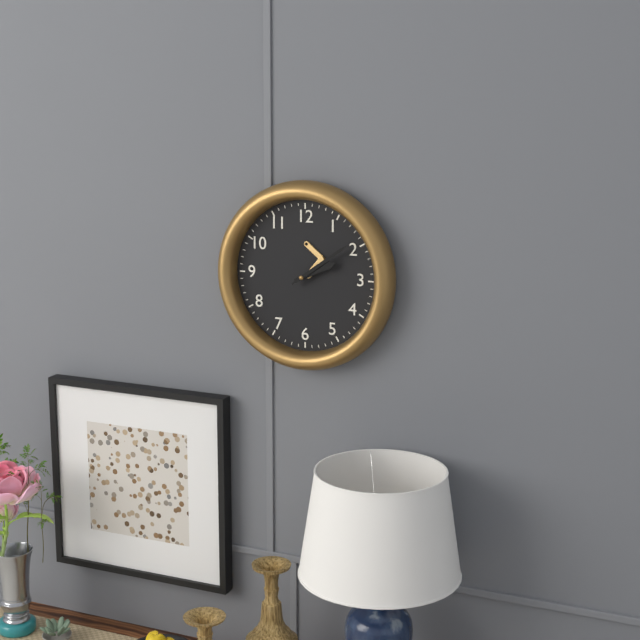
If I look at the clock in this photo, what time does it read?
2:09
